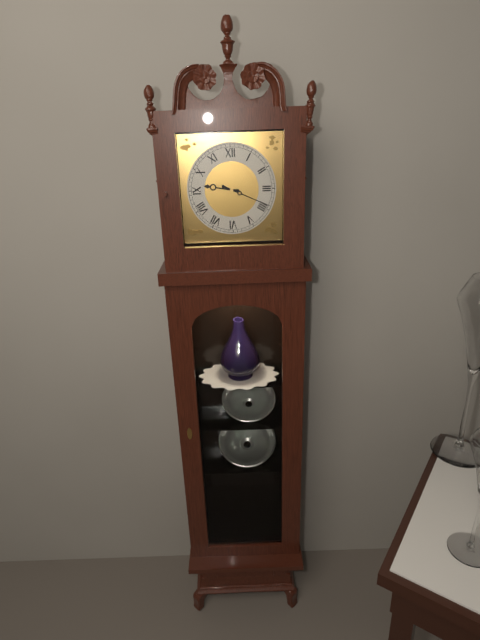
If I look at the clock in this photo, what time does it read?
9:19
